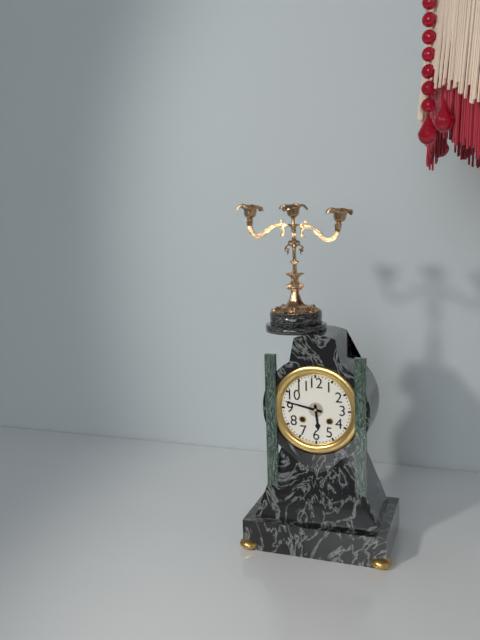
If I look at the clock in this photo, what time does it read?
5:47
